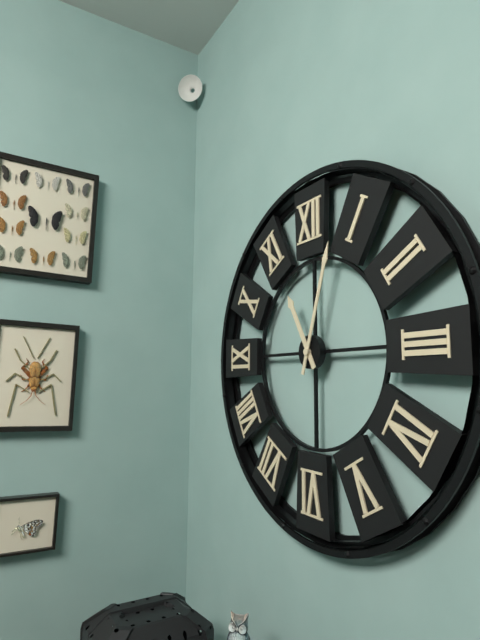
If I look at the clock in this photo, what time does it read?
11:03
